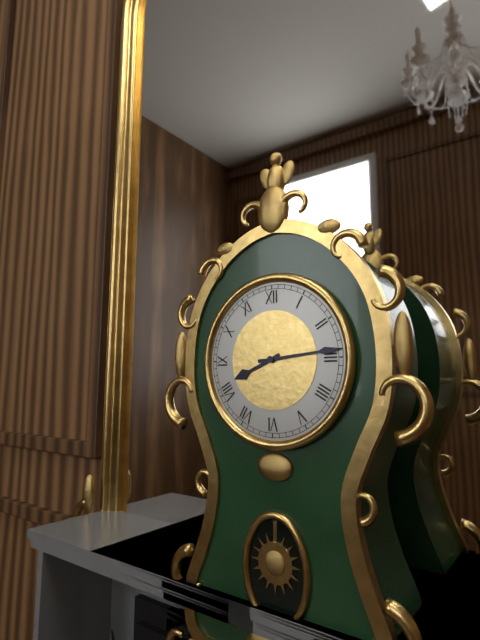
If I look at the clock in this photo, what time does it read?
8:14
